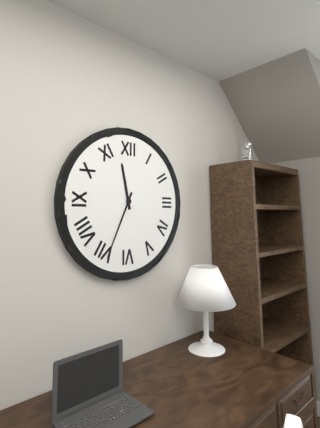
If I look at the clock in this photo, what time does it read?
11:34
